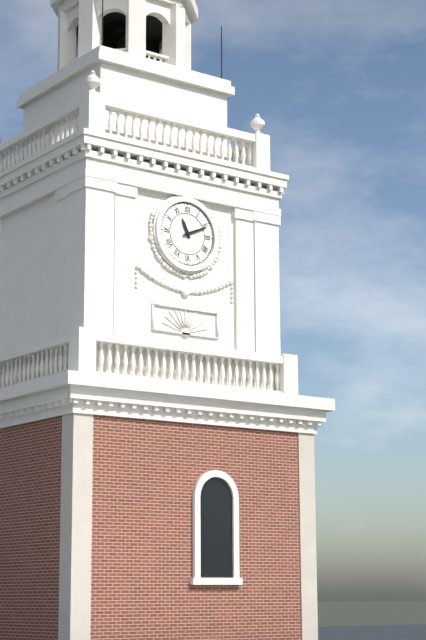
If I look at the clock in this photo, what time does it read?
11:11
